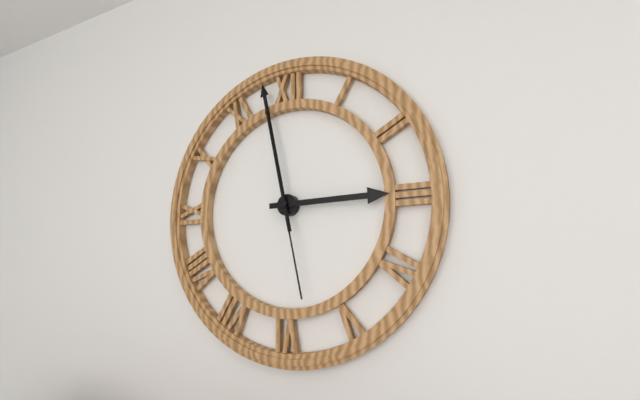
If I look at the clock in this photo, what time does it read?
2:58:58
